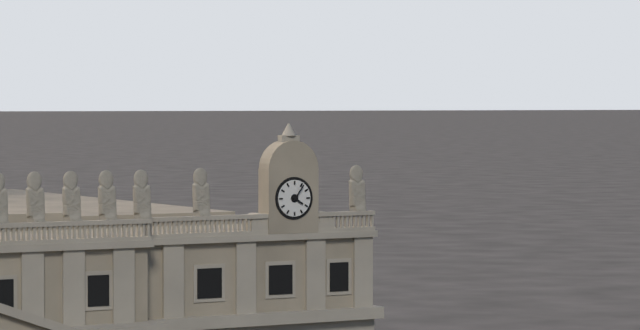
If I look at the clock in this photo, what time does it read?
4:06
